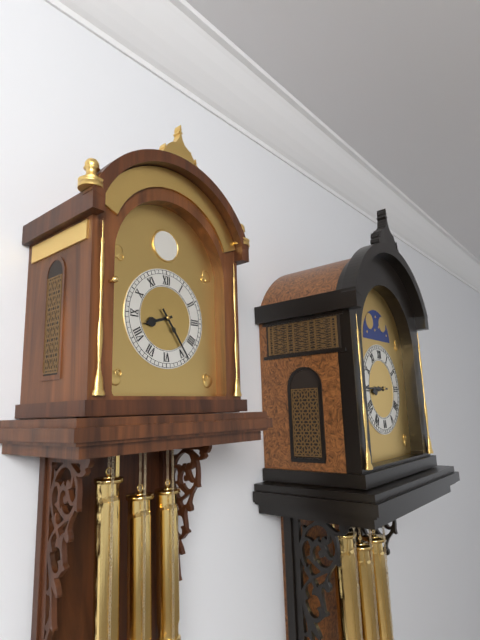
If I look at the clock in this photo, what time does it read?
8:24
